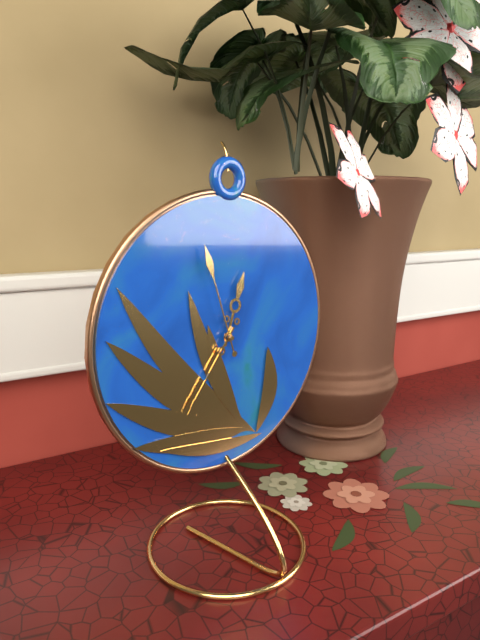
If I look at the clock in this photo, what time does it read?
12:36:57
